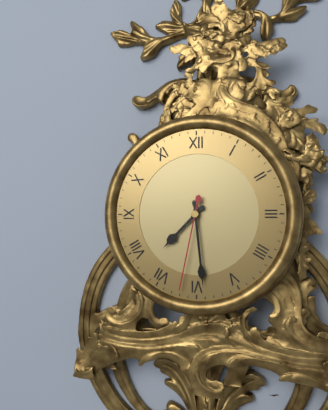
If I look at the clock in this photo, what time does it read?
7:29:32
